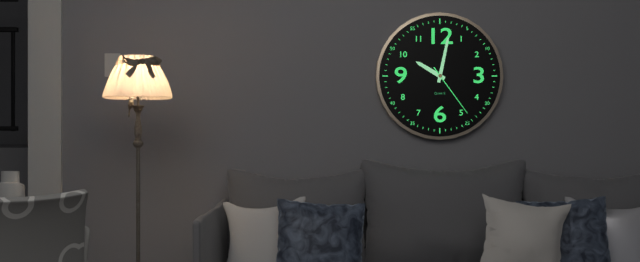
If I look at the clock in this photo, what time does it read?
10:02:24
